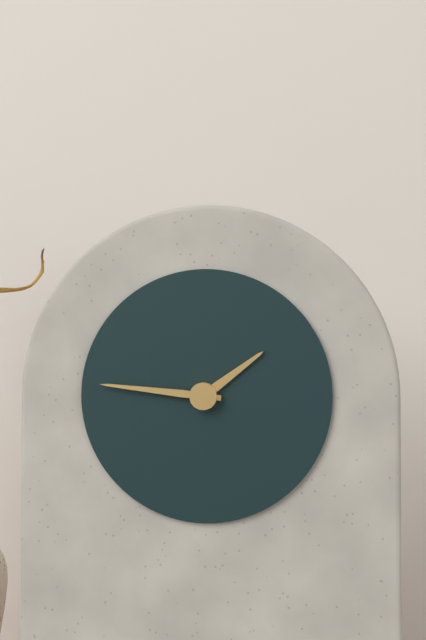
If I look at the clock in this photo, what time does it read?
1:46
